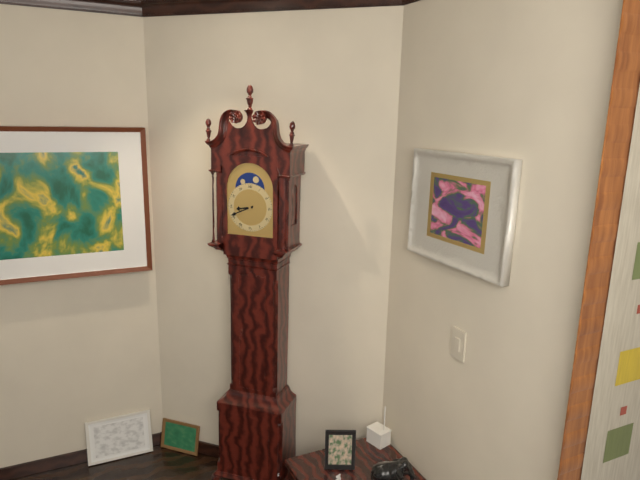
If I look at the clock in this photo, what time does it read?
8:41
